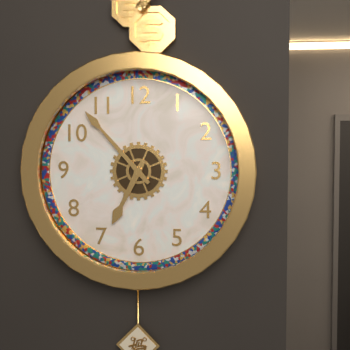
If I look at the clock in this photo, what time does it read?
6:53
